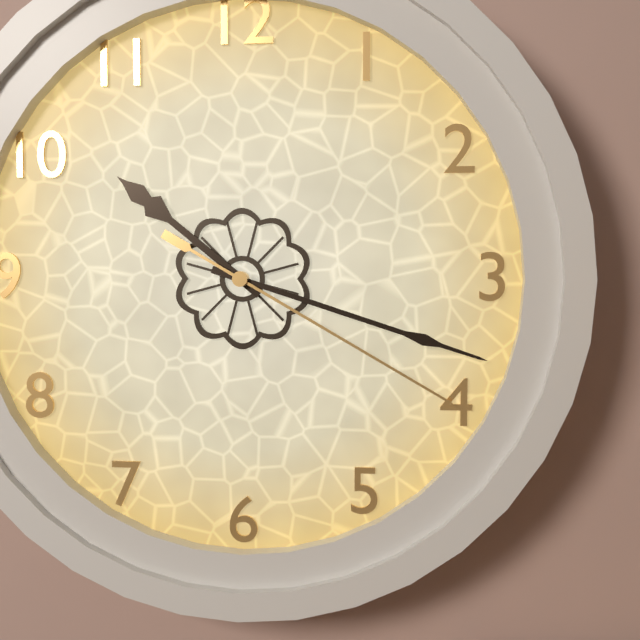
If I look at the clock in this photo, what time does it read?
10:18:20
